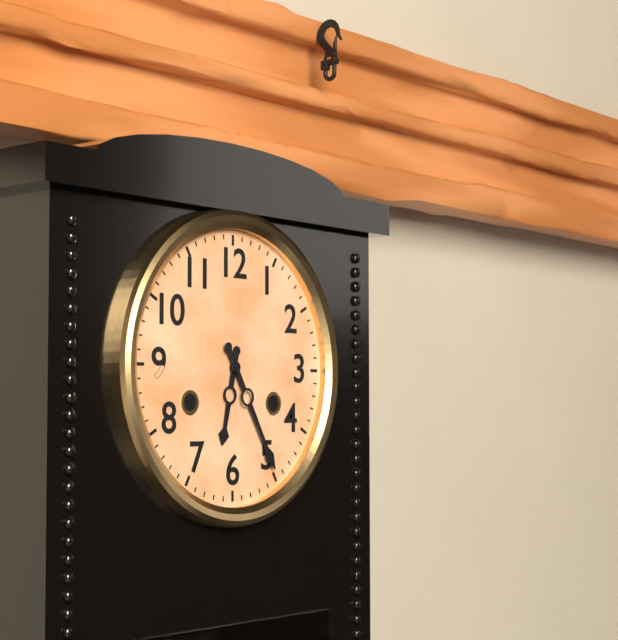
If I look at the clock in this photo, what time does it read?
6:25
